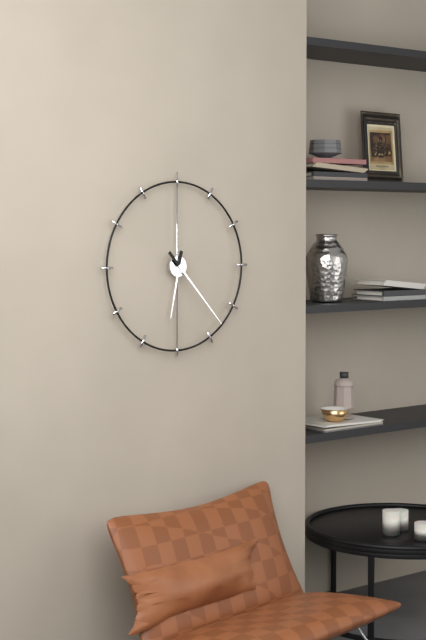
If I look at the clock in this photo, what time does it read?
6:23
